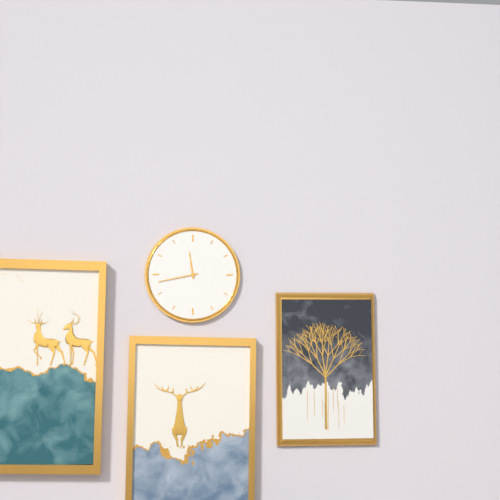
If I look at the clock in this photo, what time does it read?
11:43
